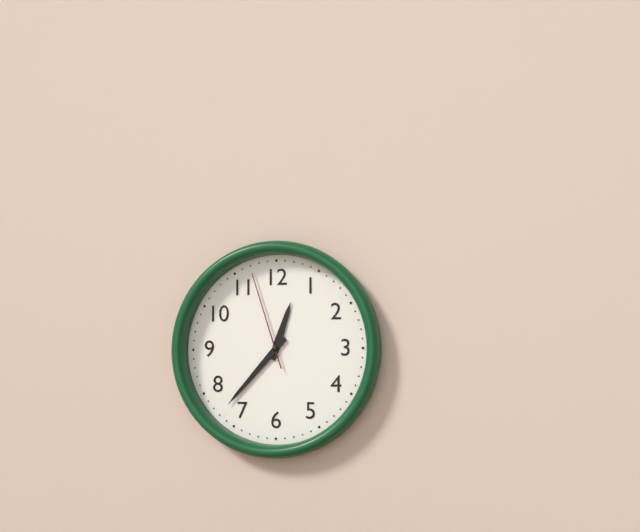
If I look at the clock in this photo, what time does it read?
12:37:57
